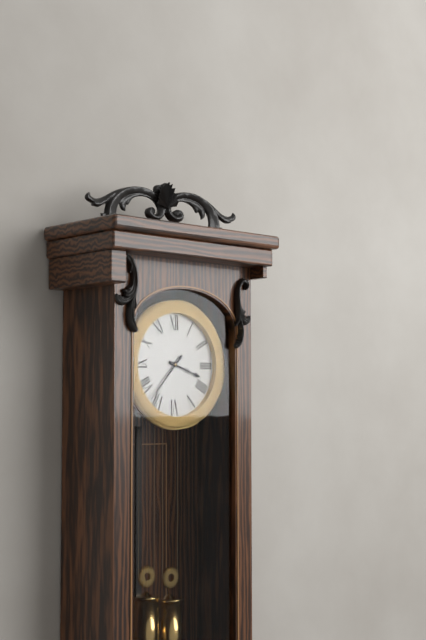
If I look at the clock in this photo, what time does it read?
3:37
